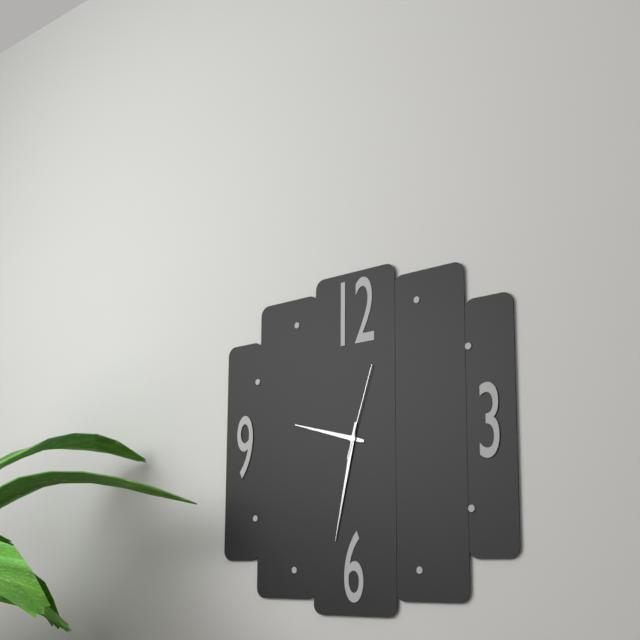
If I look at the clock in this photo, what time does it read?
9:32:03
